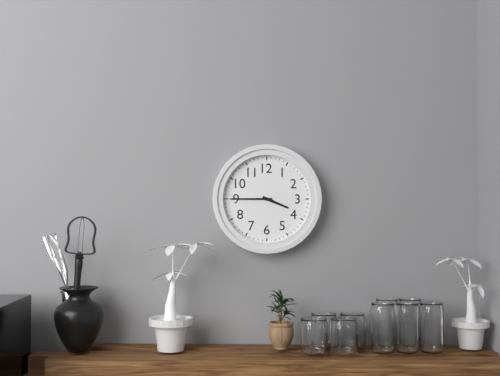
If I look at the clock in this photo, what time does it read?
3:45
